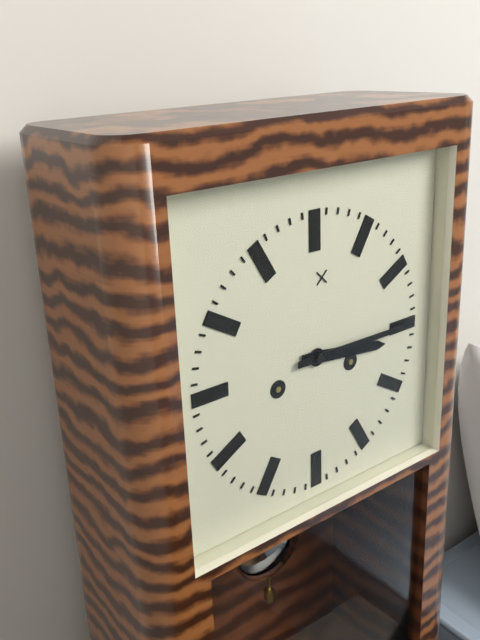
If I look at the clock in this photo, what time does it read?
3:15
